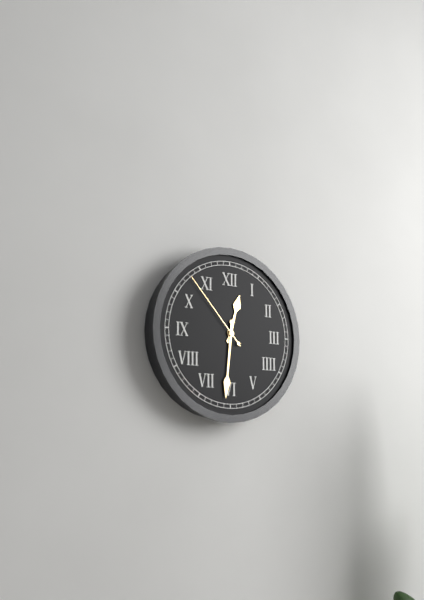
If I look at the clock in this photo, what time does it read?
12:31:53
